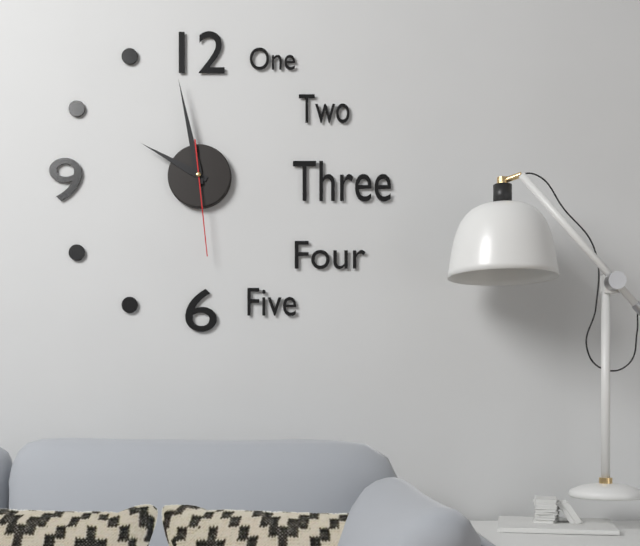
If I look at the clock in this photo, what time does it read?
9:58:29
